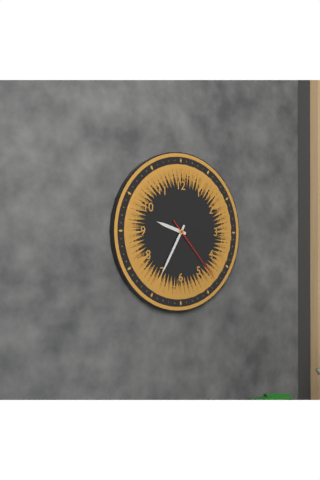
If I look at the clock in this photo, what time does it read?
9:35:23
